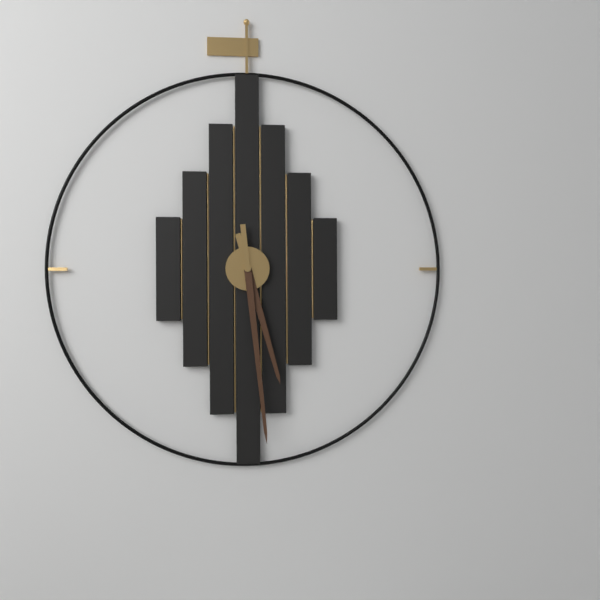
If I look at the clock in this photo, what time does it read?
5:29
